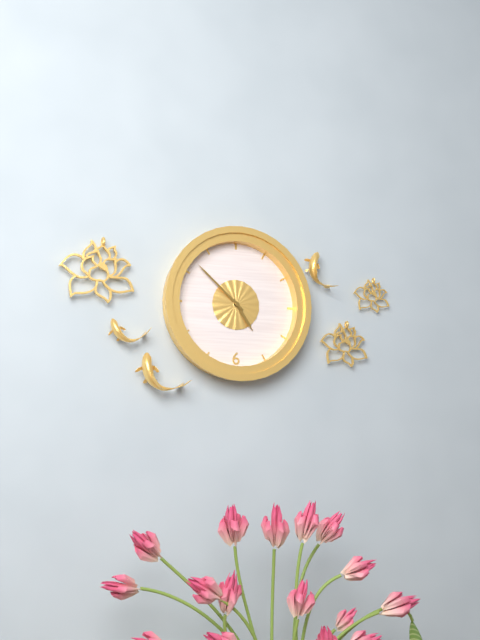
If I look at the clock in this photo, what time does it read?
4:52
